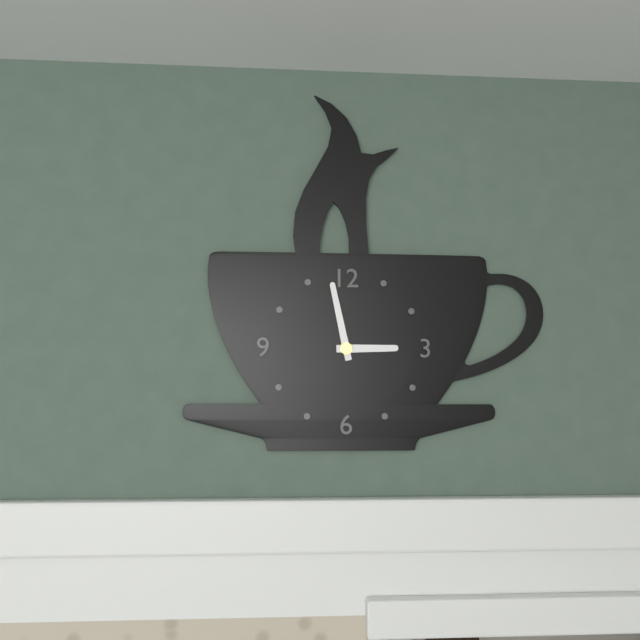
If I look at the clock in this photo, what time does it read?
2:58
